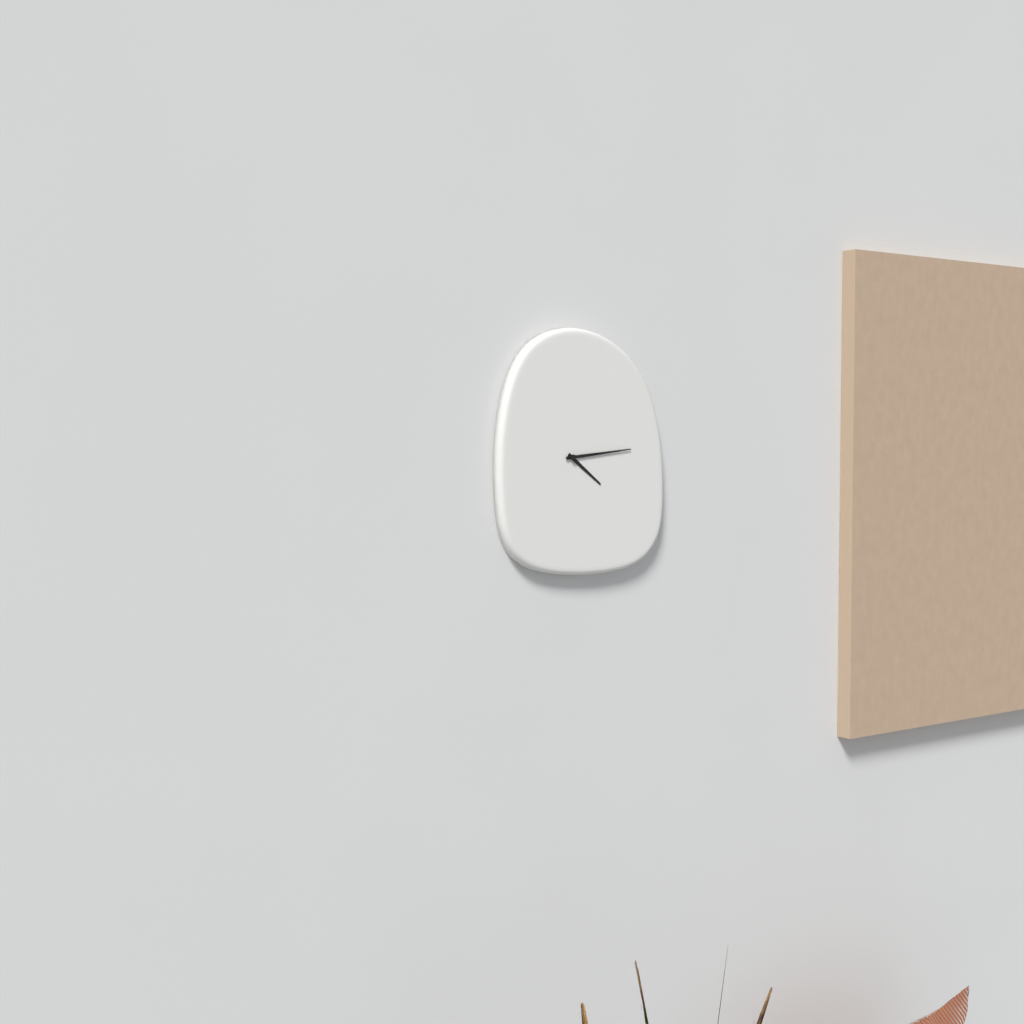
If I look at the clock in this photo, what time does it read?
4:14
